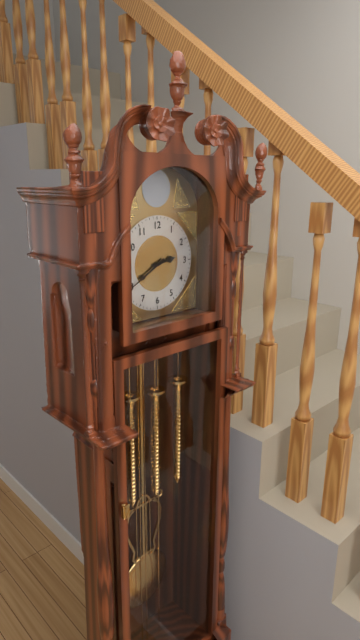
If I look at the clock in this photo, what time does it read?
2:40
